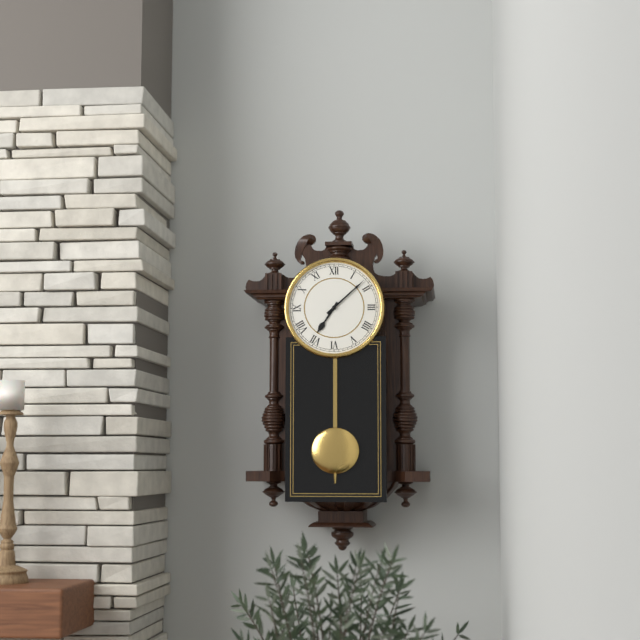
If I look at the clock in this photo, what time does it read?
7:08
